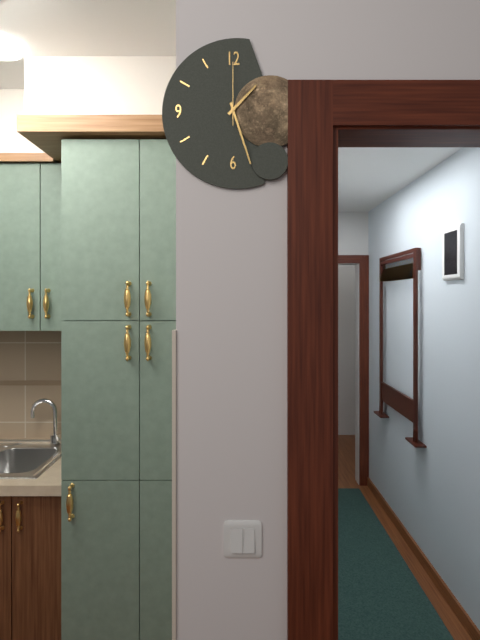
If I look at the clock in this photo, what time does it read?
1:27:00
